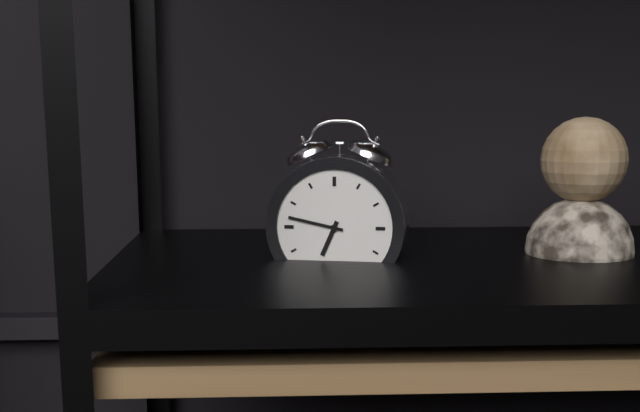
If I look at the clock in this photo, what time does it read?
6:47
